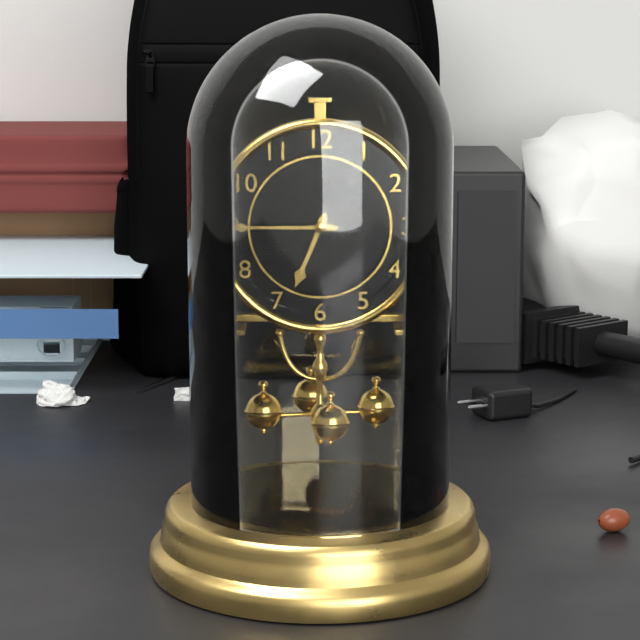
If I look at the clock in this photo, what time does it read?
6:45
